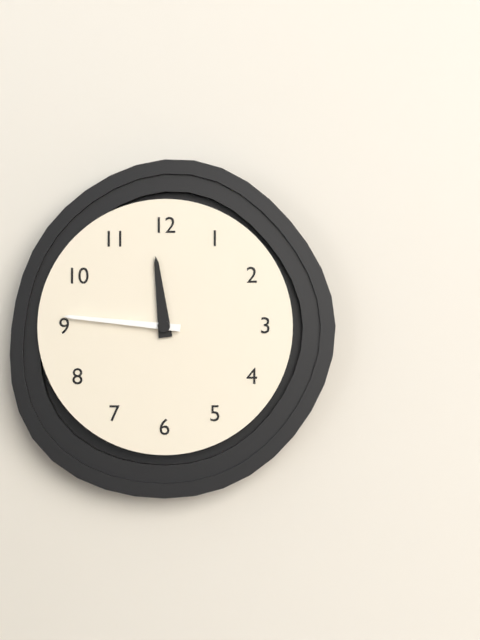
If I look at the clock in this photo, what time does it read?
11:46
